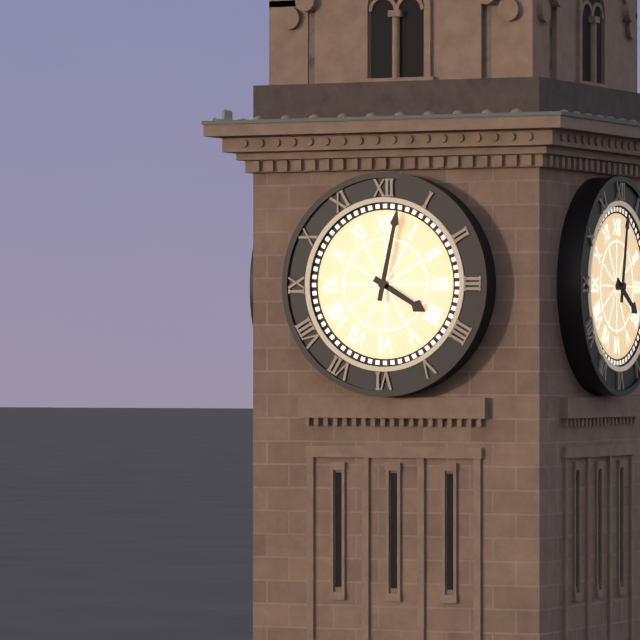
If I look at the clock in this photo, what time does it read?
4:02
